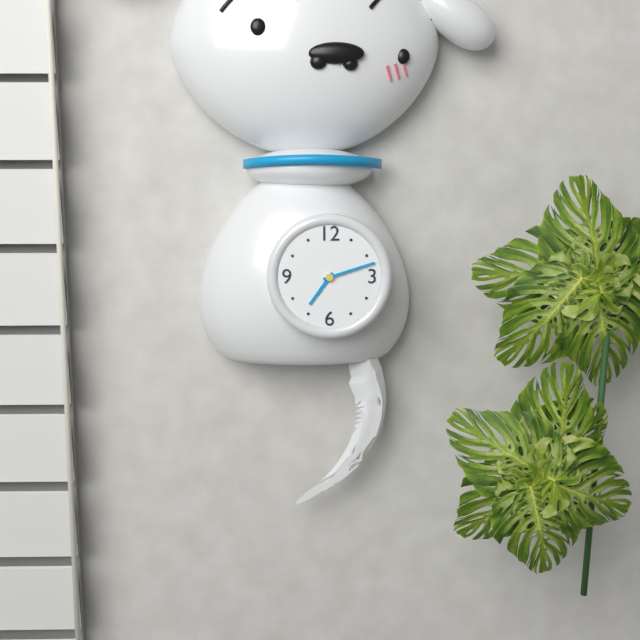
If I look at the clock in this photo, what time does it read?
7:12
